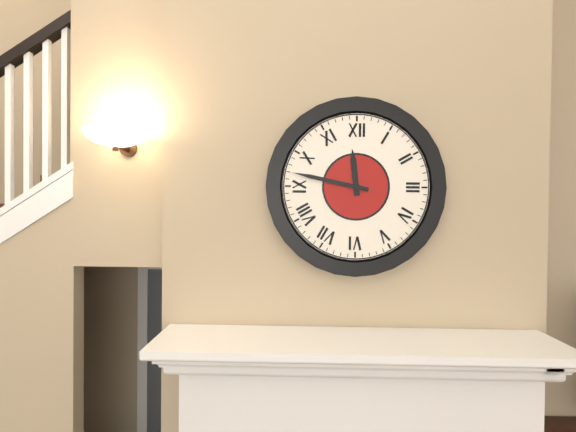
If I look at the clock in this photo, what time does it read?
11:47
